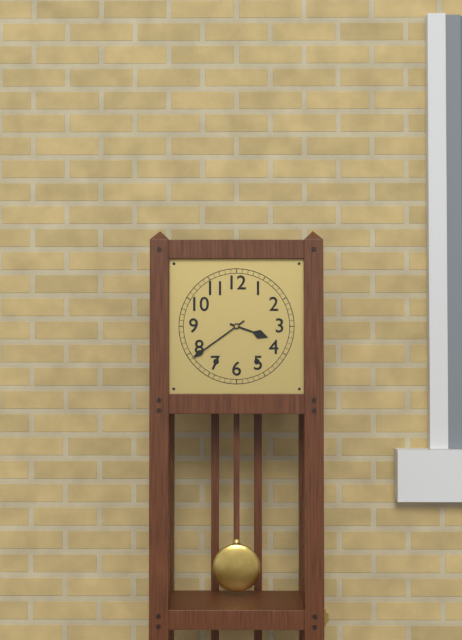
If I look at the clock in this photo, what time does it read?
3:39
